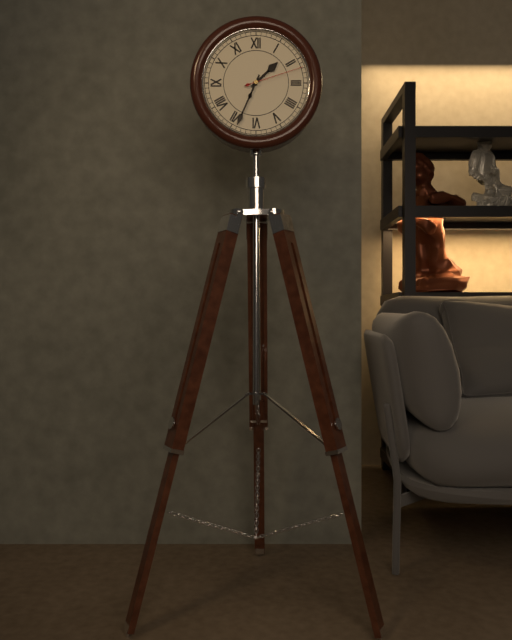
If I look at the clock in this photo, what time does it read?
1:34:12
